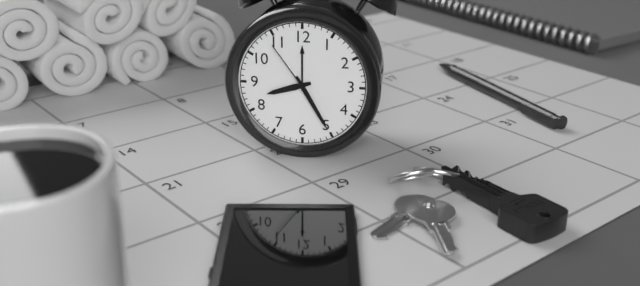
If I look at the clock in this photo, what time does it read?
8:25:54
